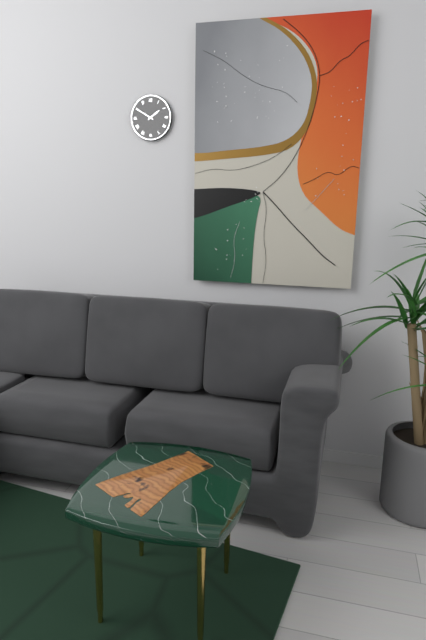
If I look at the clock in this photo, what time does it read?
1:50
